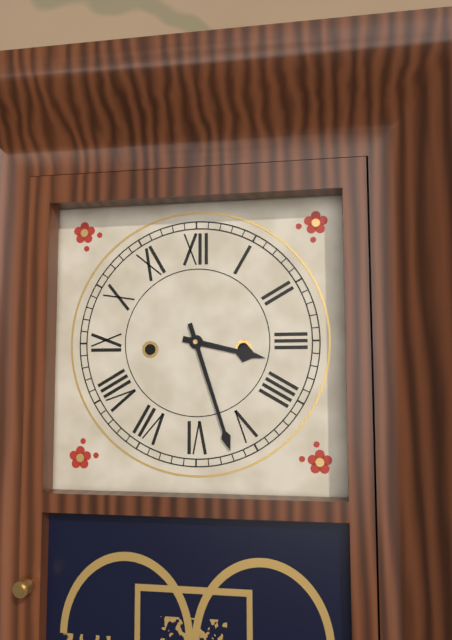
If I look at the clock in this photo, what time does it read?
3:27
